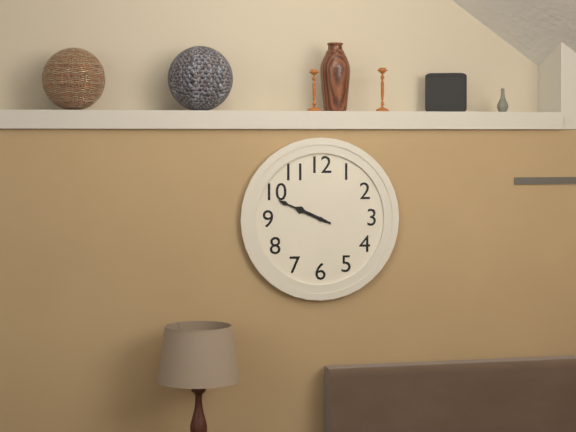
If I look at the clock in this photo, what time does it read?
9:49
